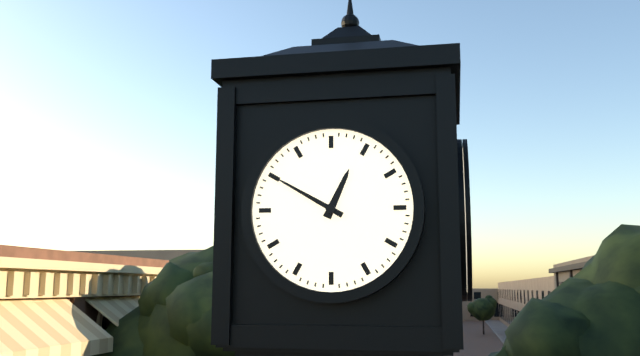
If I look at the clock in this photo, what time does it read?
12:50
